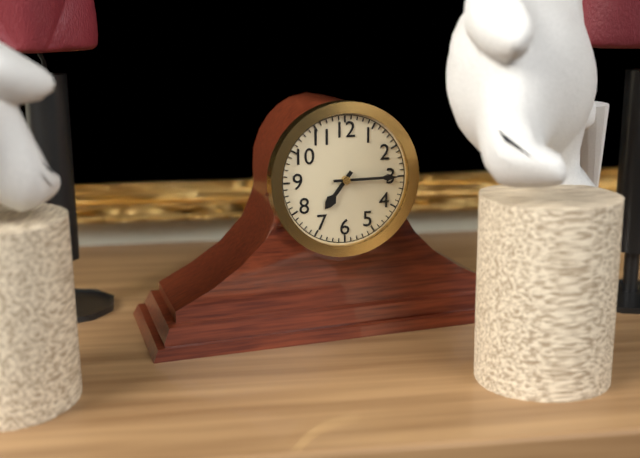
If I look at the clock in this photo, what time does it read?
7:15
